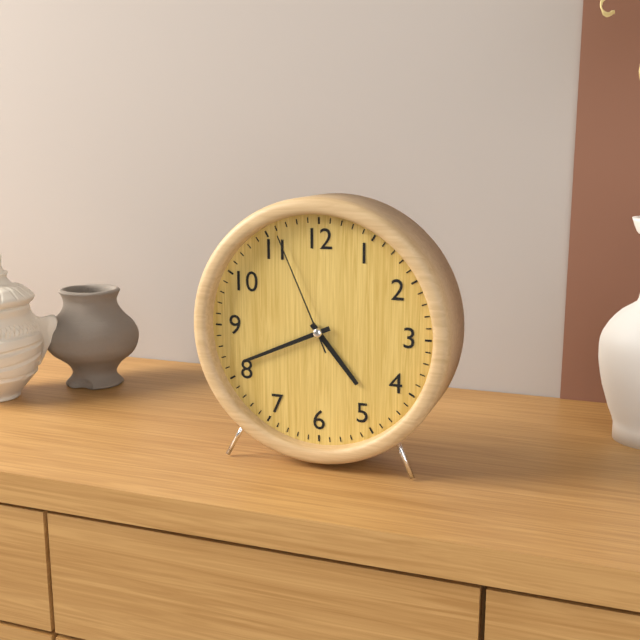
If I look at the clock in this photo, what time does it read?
4:41:56
